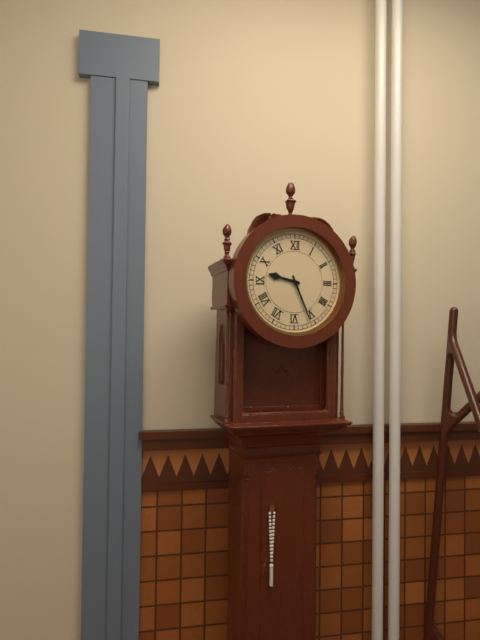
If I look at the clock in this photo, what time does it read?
9:26
